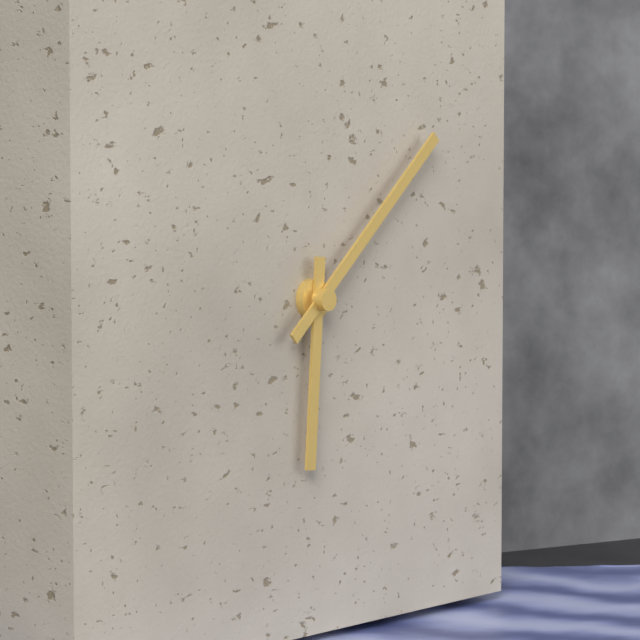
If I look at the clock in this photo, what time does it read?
6:08
